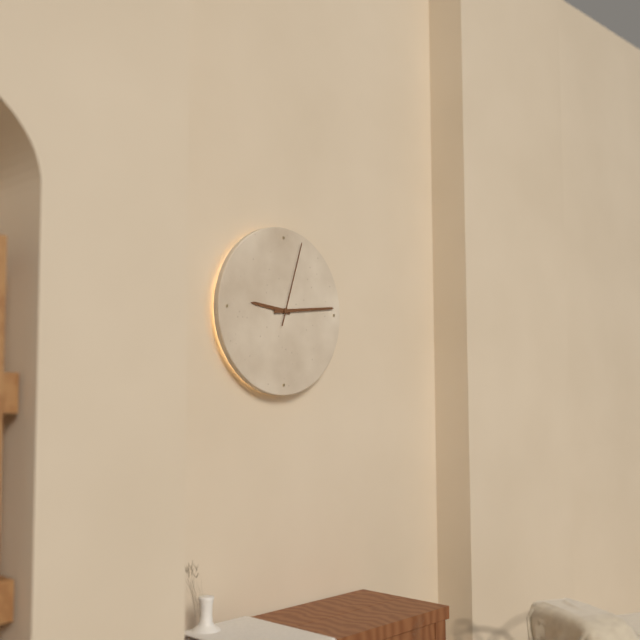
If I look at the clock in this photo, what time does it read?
9:14:03
